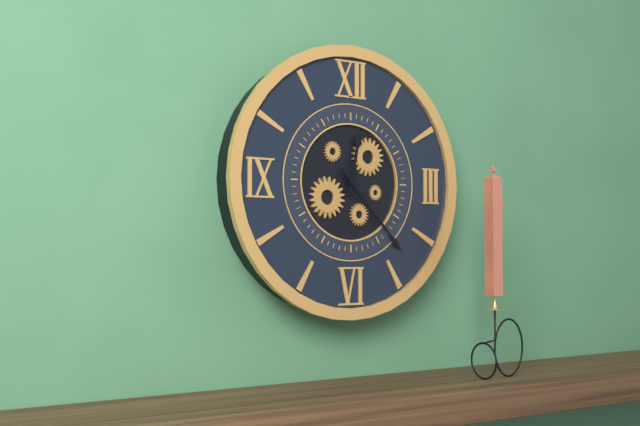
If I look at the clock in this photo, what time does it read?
12:23
